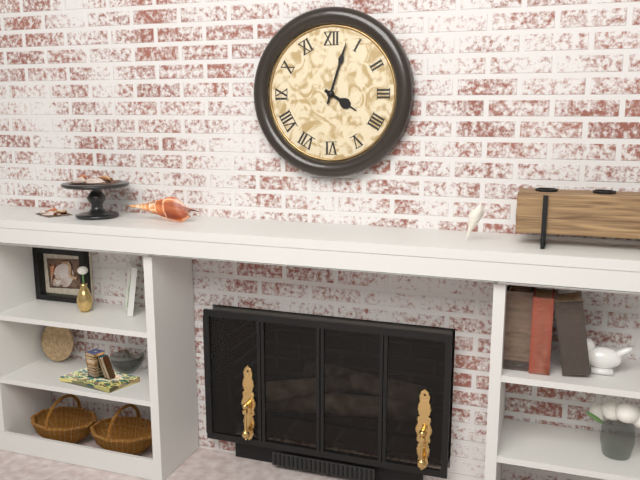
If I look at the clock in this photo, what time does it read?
4:03
